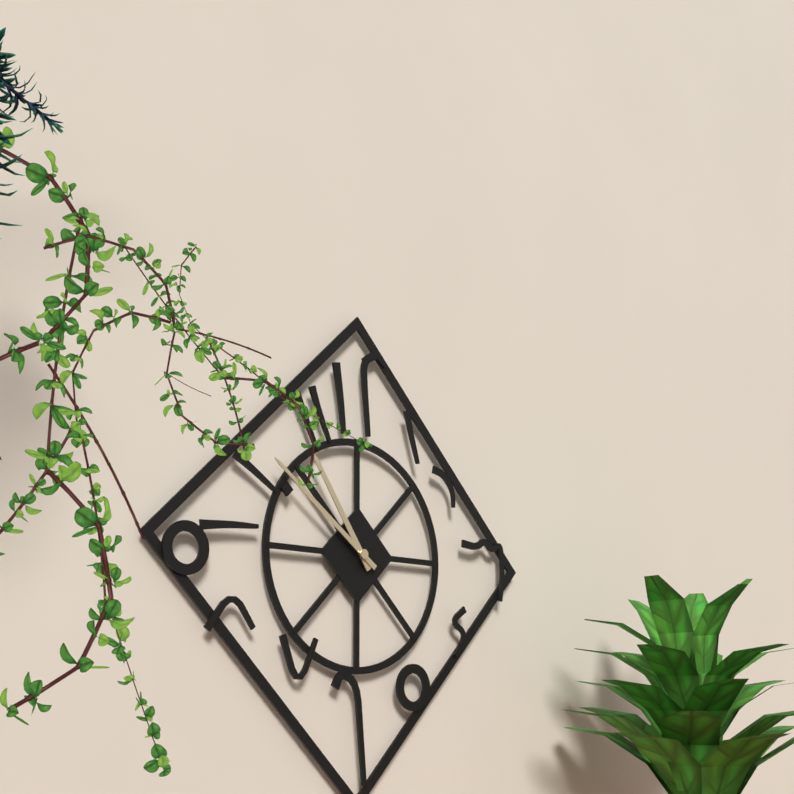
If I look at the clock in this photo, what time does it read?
10:51
